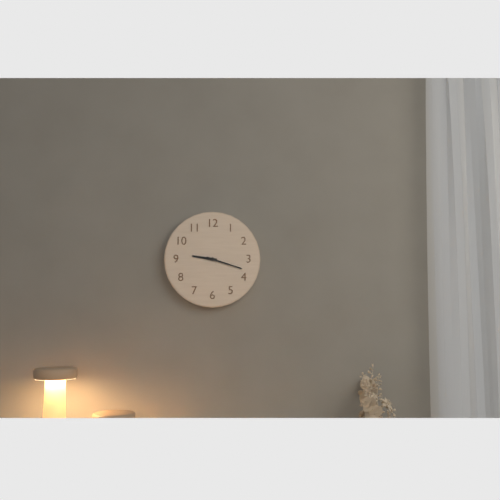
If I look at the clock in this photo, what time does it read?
9:18
